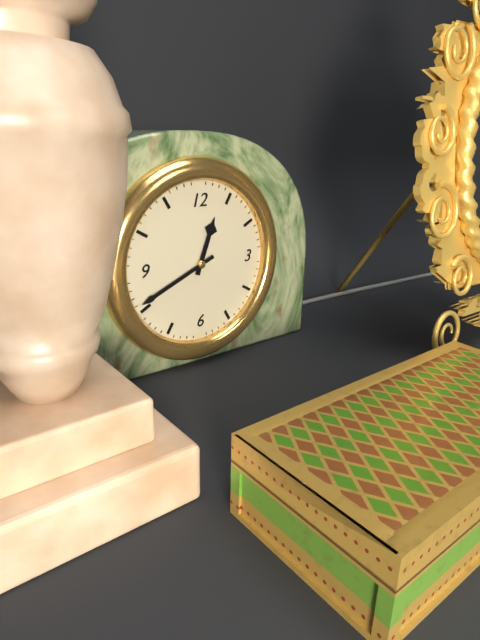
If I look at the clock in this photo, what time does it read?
12:41
